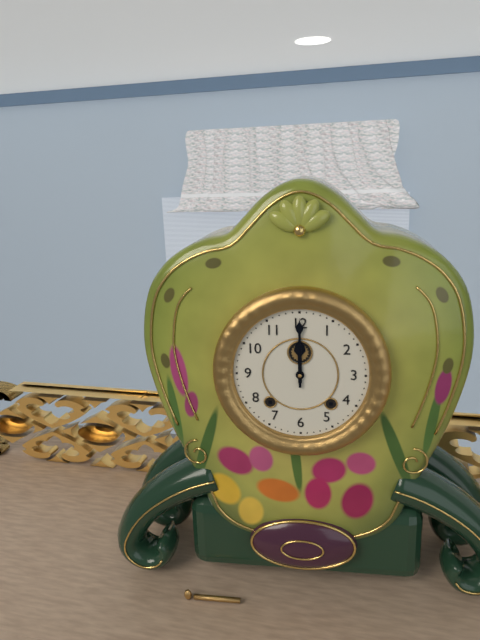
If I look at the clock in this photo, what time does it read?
12:00
